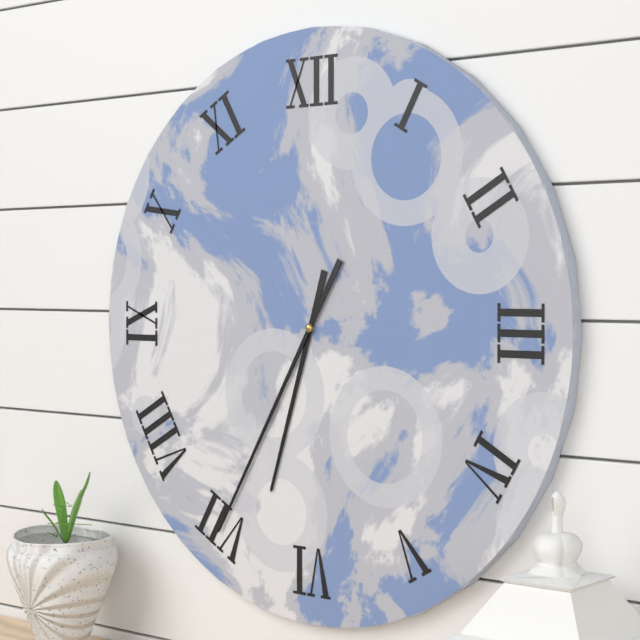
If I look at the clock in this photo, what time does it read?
6:35
